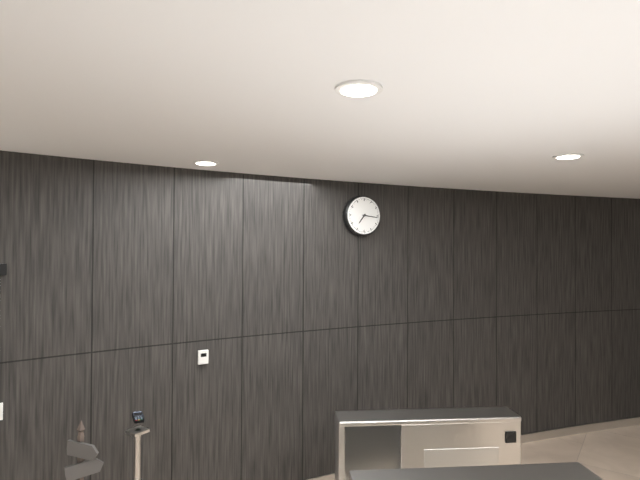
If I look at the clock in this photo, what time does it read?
7:16
